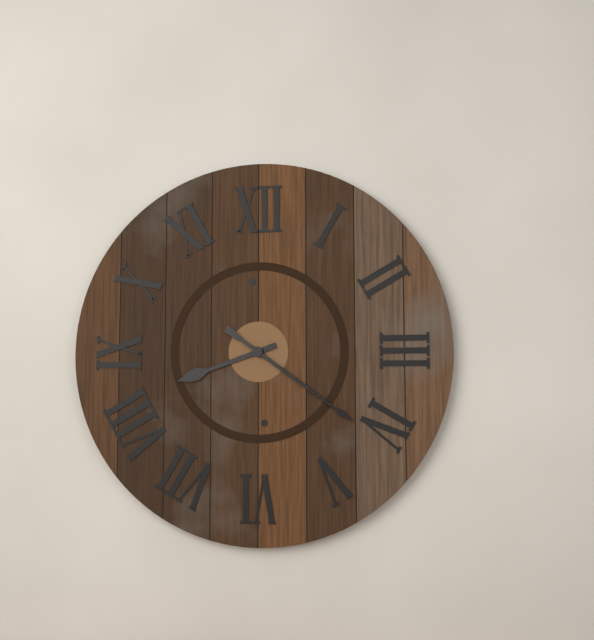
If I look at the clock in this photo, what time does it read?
8:21
